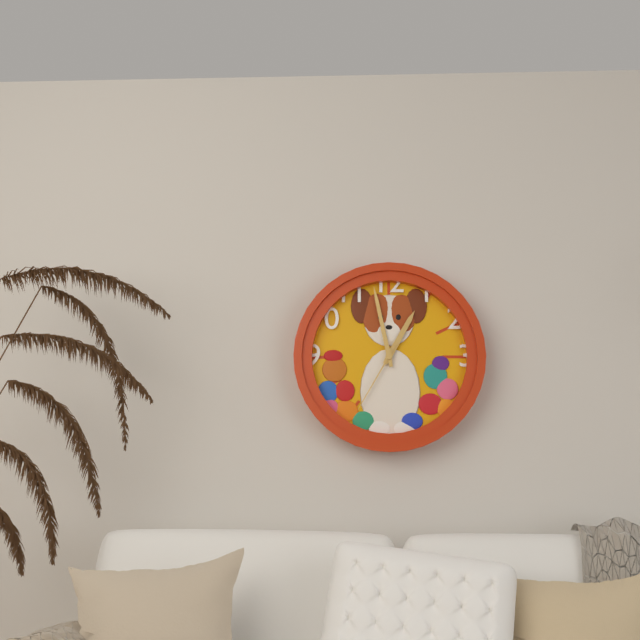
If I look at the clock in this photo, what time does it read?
12:58:35
